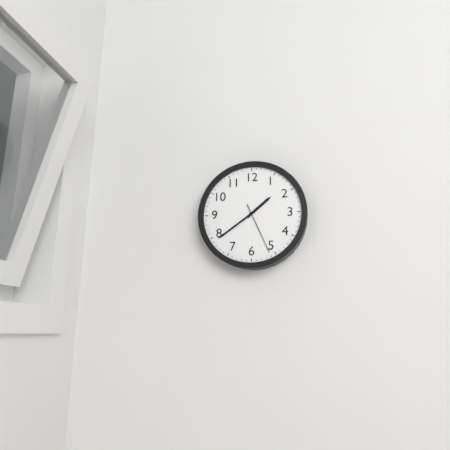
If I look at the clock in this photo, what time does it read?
1:39:26
